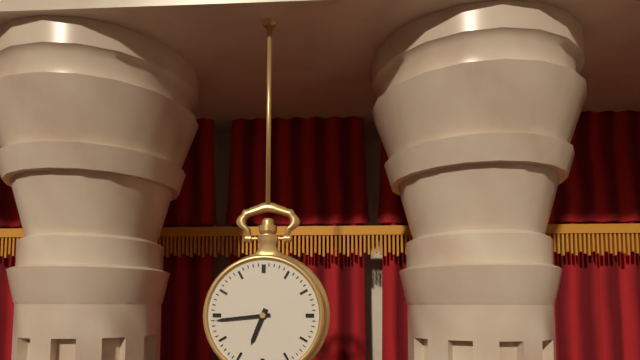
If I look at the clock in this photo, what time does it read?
6:44
